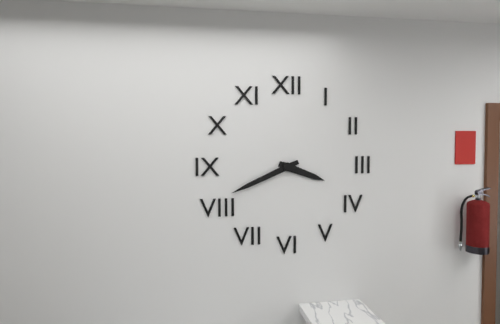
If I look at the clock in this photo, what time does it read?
3:41
